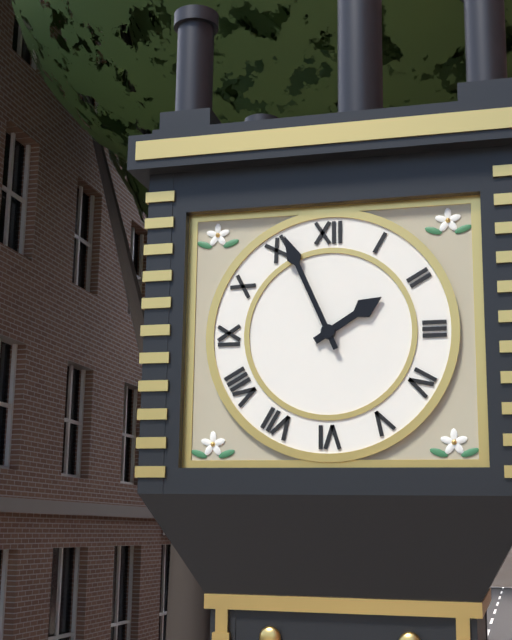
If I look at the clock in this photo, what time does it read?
1:56
